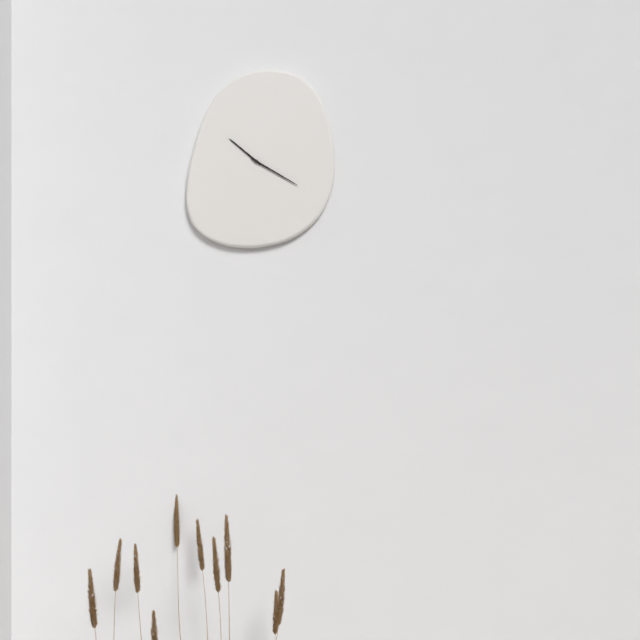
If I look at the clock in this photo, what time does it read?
10:20
